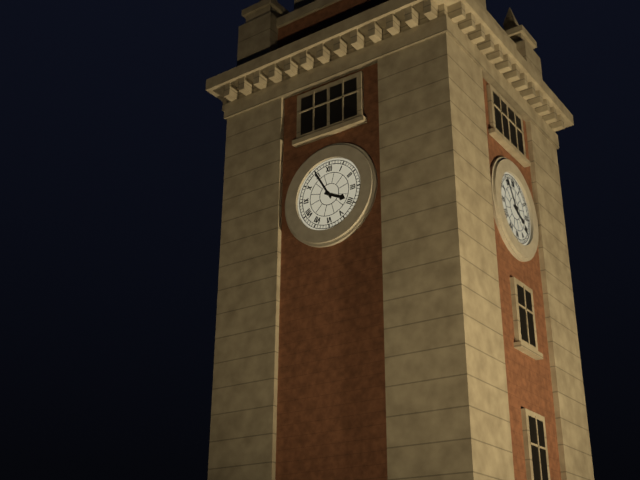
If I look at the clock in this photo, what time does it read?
3:55
